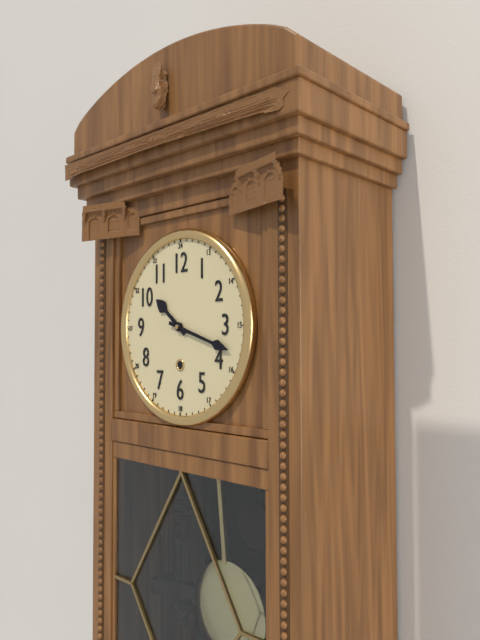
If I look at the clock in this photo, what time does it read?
10:18
